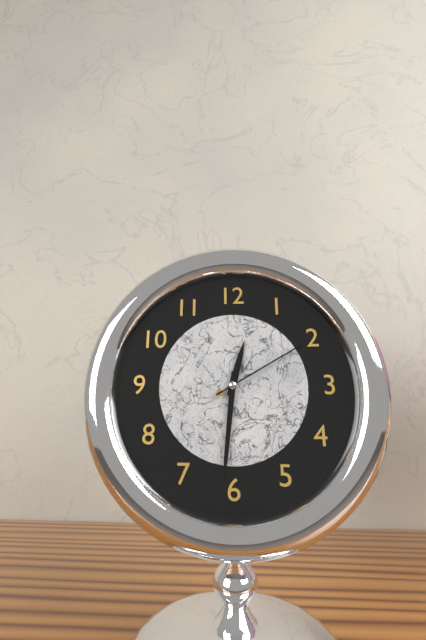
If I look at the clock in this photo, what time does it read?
12:31:10
